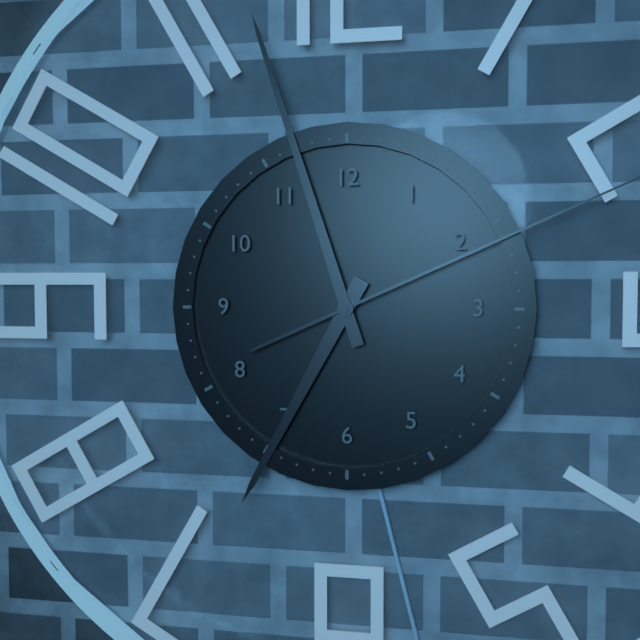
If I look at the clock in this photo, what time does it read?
6:57:11
